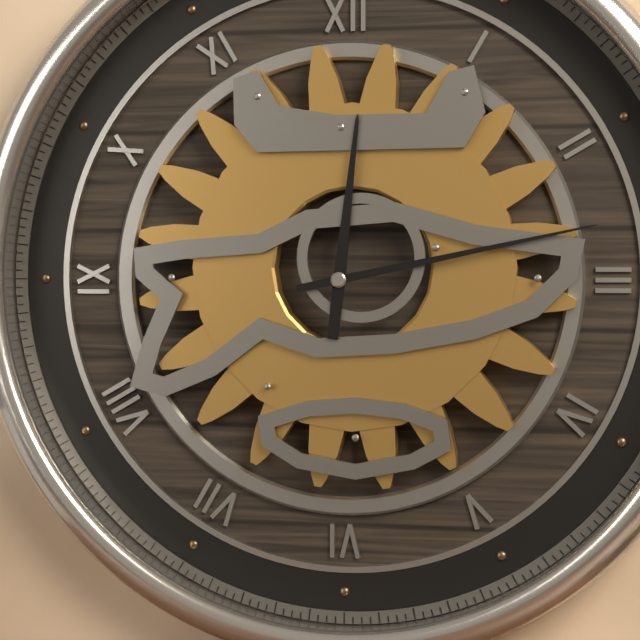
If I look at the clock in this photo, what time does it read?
12:13
